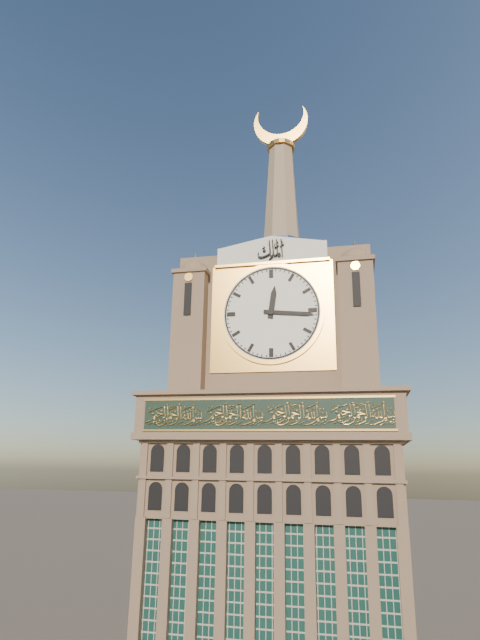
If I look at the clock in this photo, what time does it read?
12:16
